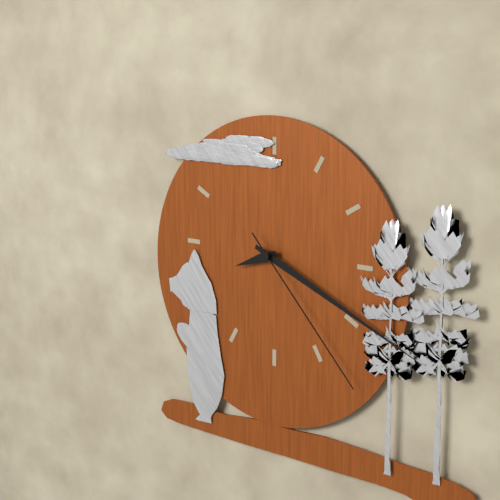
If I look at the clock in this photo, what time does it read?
8:19:23
